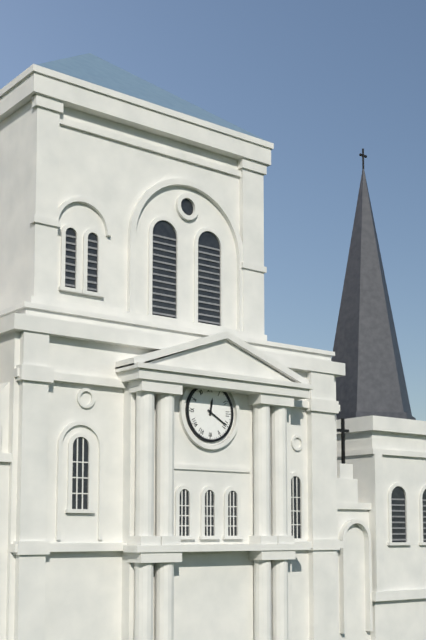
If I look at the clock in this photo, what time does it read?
12:20
